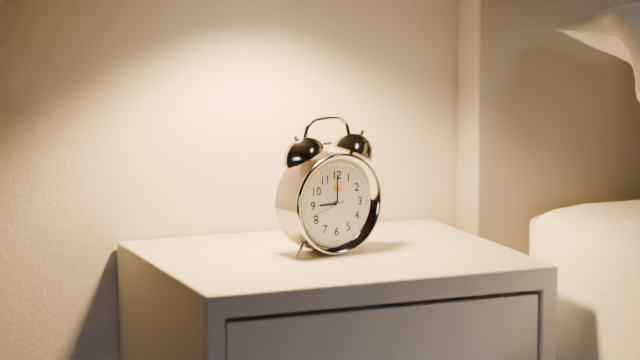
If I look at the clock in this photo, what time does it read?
9:00
